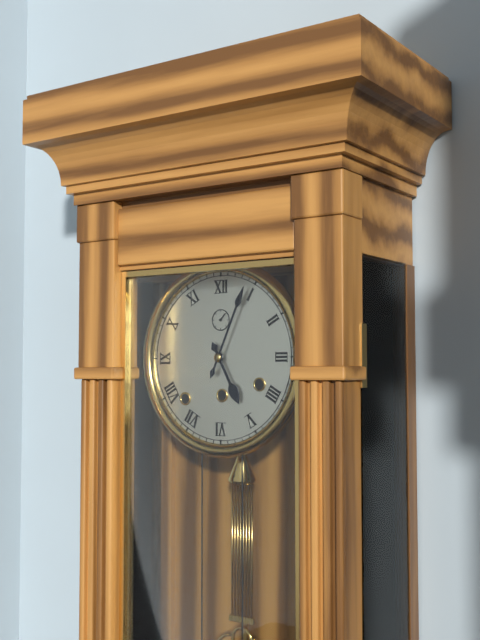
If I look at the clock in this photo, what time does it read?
5:04
